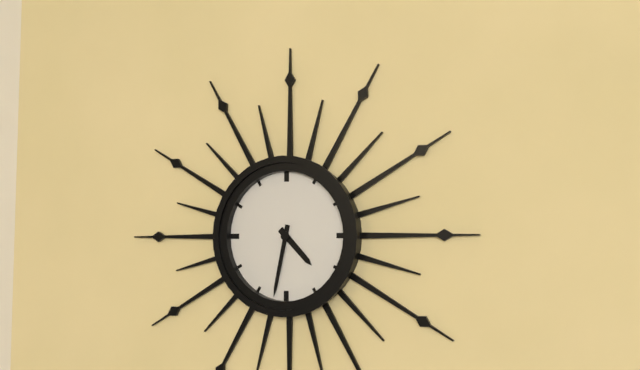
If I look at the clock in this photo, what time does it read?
4:32
